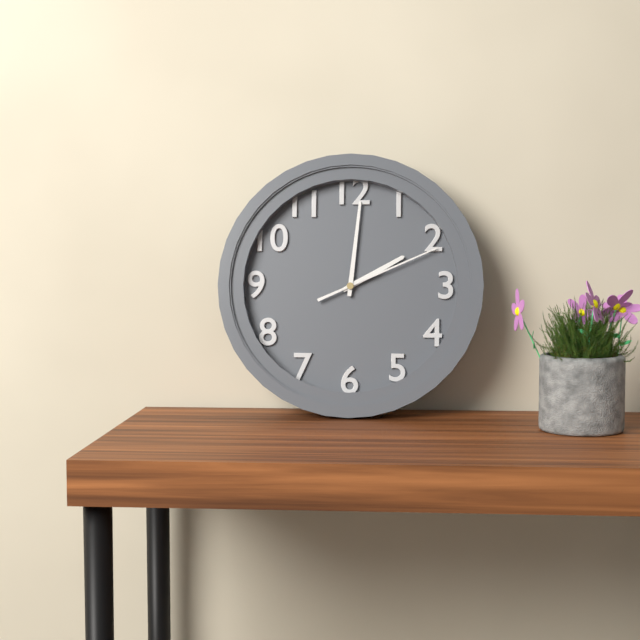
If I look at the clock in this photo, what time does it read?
2:01:11
